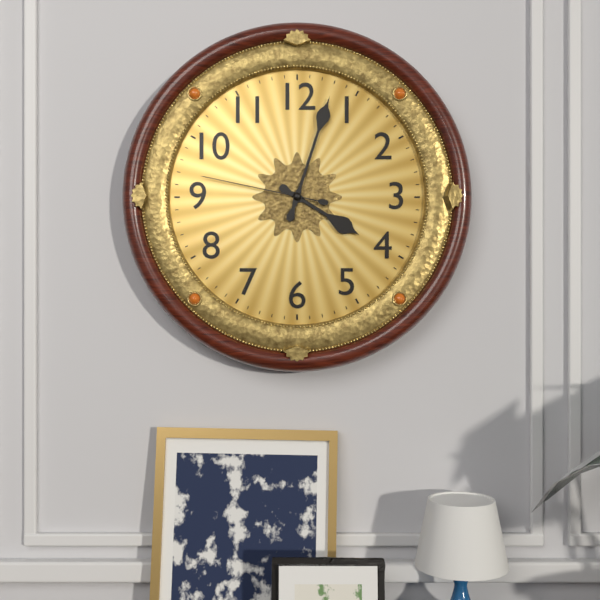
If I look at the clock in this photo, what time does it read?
4:03:47
